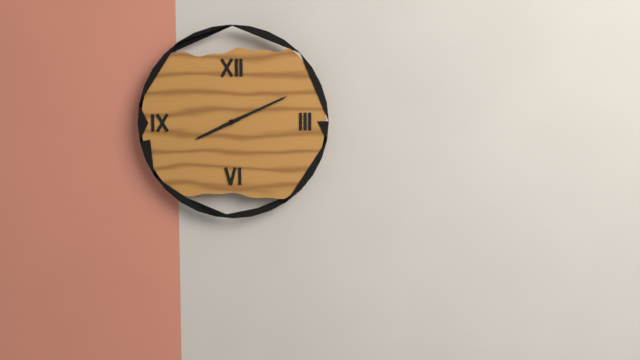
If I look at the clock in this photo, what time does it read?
8:11
